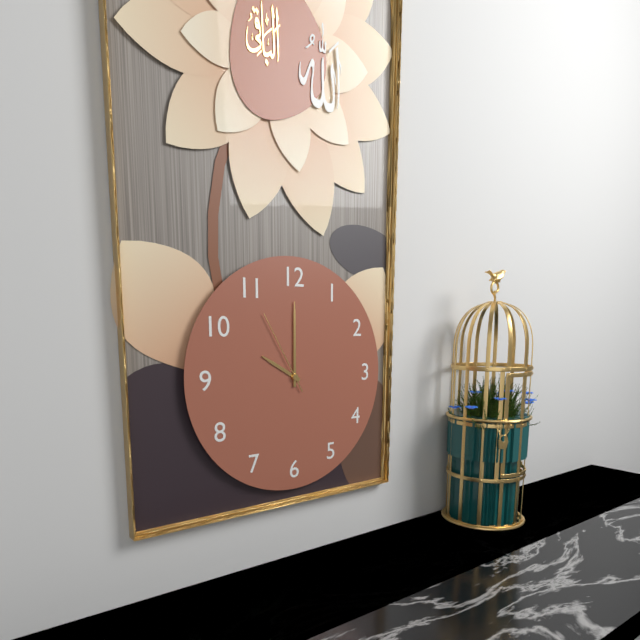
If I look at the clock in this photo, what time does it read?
10:00:55
